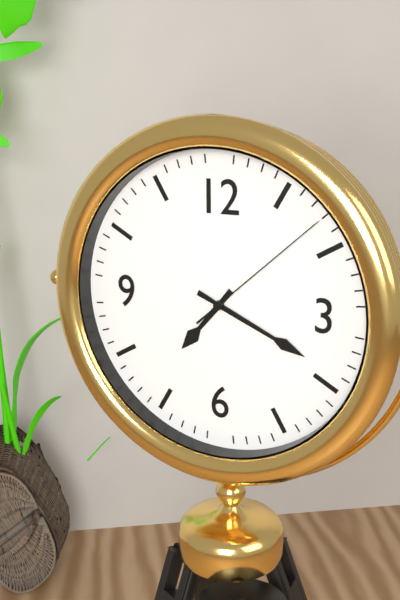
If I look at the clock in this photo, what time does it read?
7:19:08
